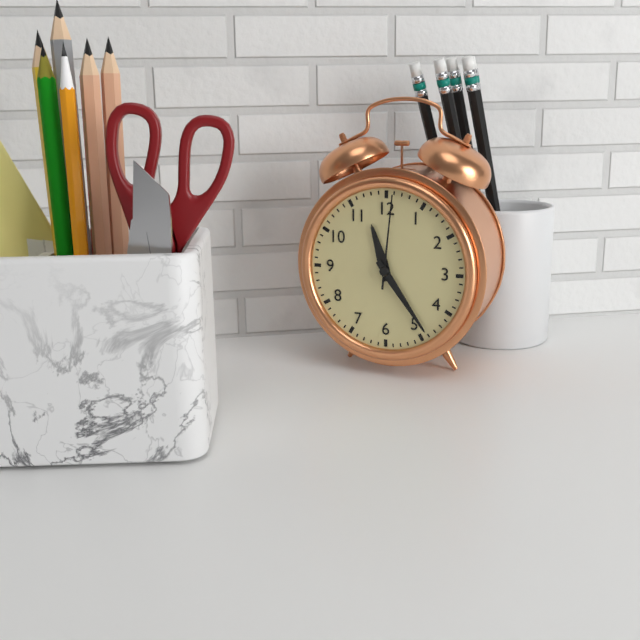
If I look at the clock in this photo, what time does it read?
11:24:01
